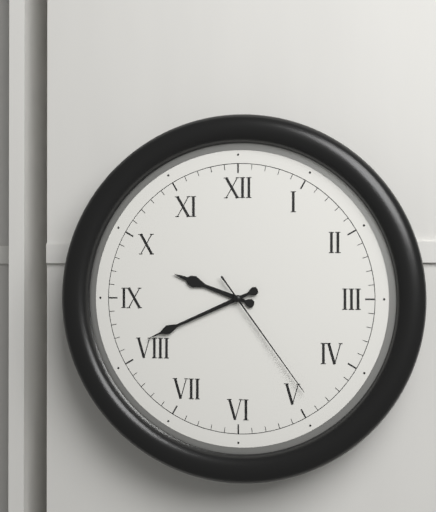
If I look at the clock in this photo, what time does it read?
9:41:24
